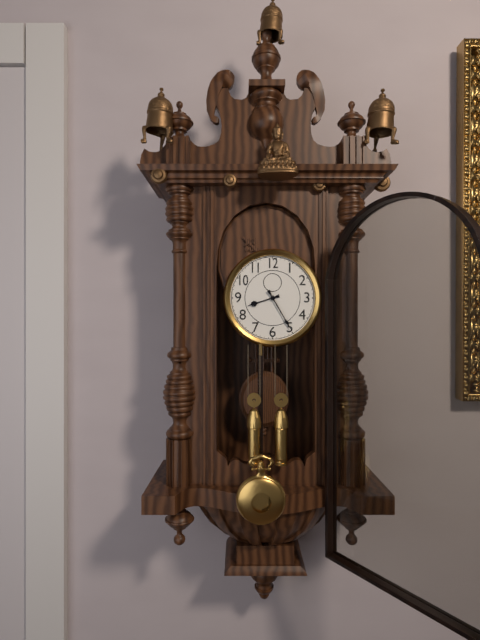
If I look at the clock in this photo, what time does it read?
8:25
